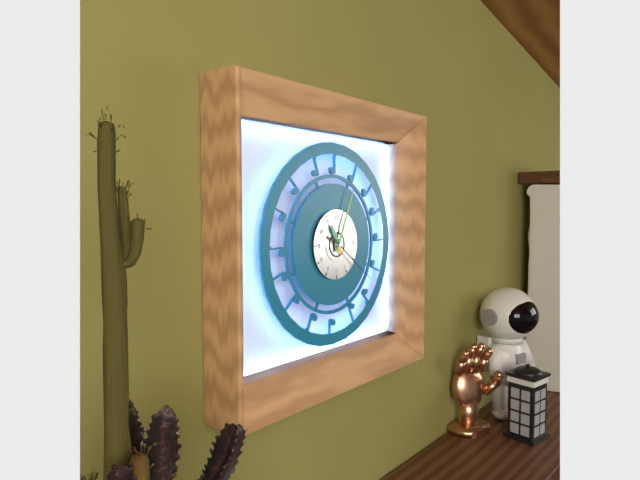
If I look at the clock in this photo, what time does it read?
11:04:21
